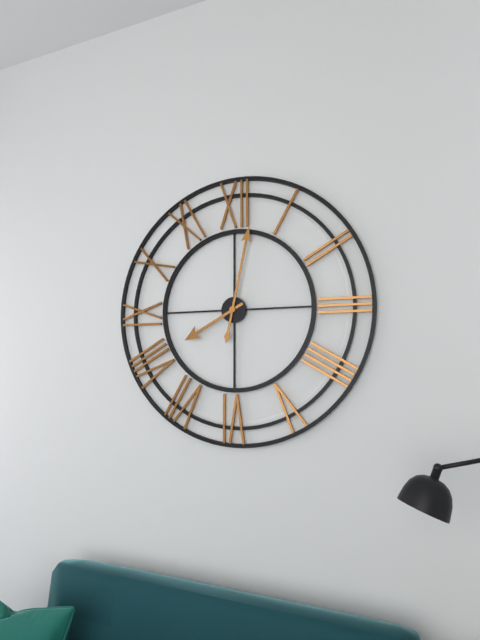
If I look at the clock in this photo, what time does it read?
8:02
